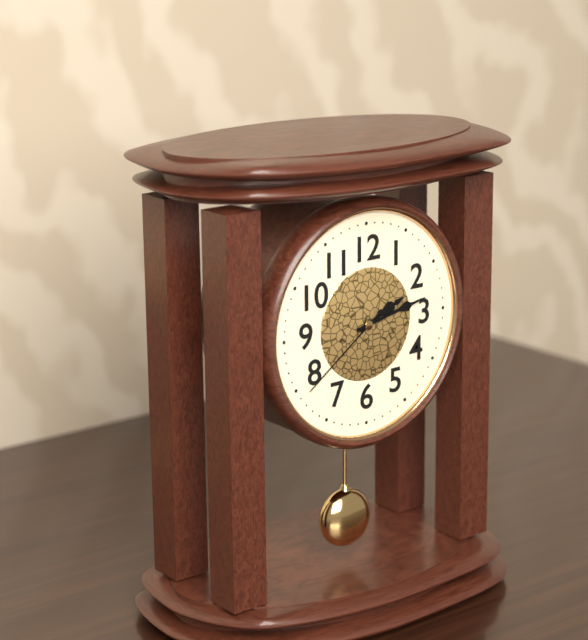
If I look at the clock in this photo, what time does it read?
2:13:39
